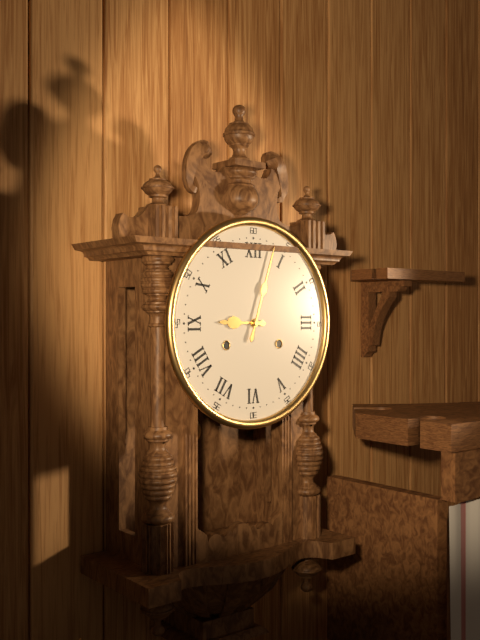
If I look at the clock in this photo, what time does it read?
9:03
